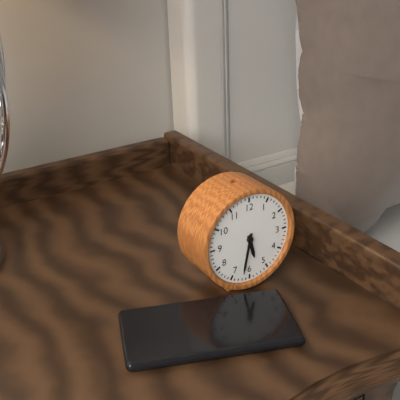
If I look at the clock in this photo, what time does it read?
5:32
